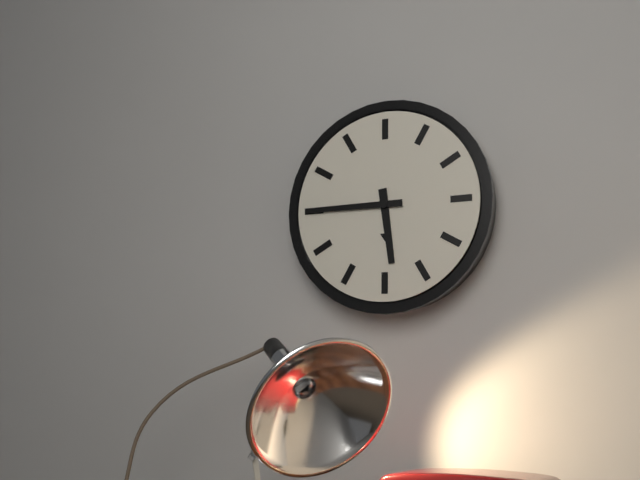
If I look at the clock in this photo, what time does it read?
5:45
